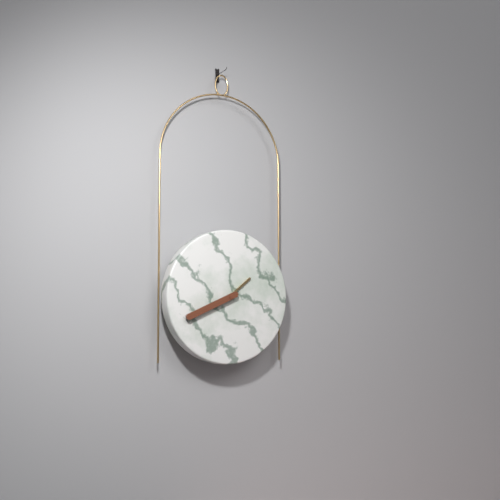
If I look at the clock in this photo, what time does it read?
1:41
